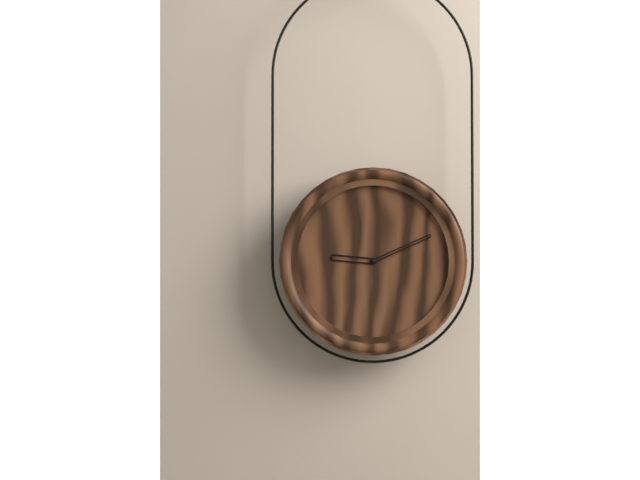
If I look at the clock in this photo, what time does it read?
9:11
